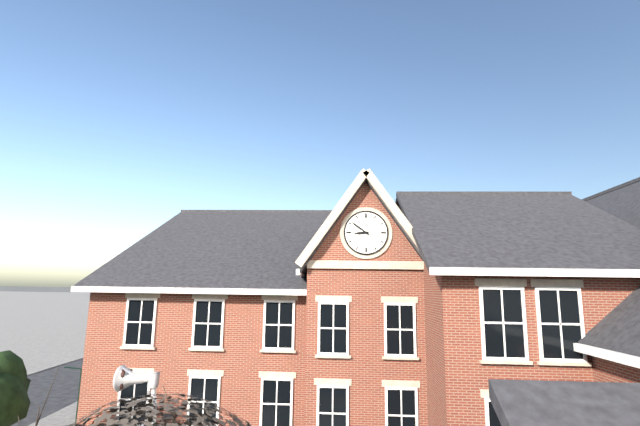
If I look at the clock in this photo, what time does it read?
8:51
